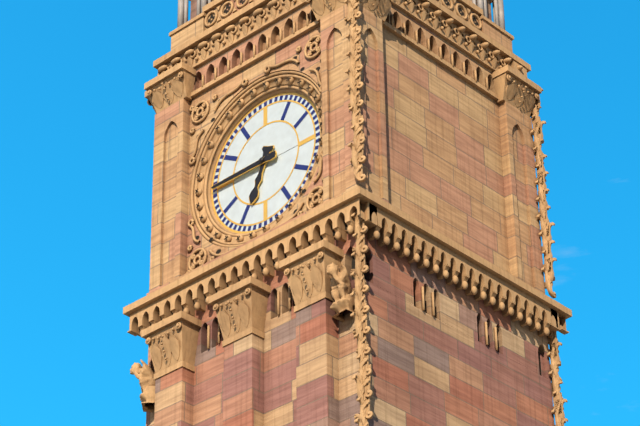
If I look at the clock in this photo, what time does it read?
6:45
